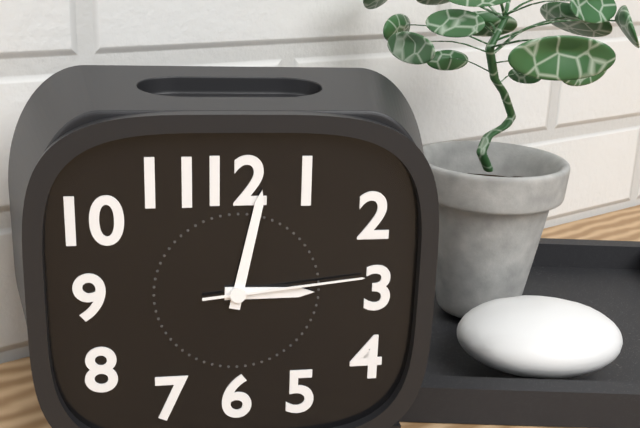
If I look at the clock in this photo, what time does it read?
3:02:14
